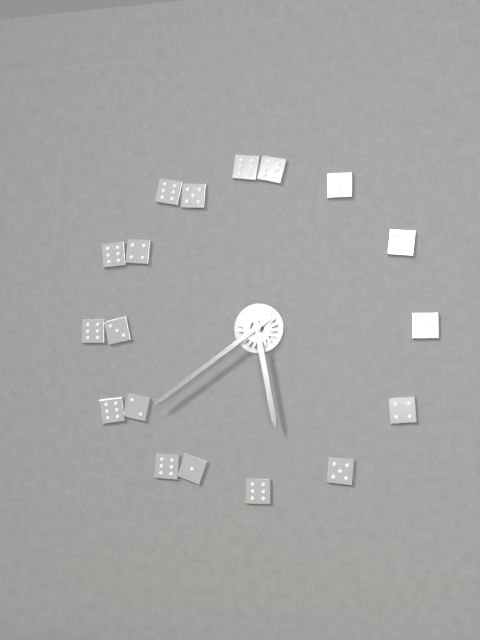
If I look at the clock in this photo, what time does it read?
5:39
